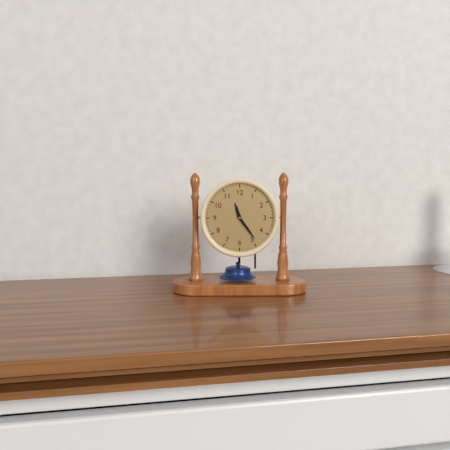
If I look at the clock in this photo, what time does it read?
11:24
